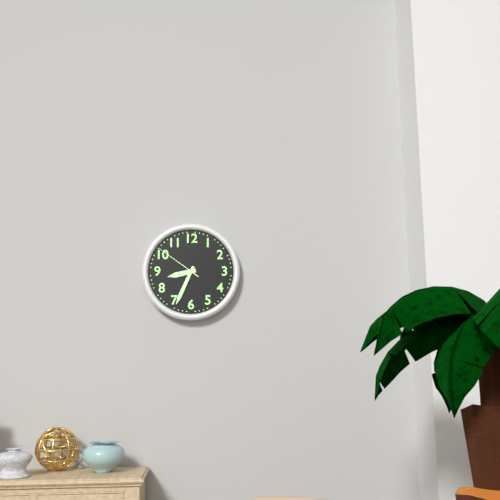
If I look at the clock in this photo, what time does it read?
8:34
